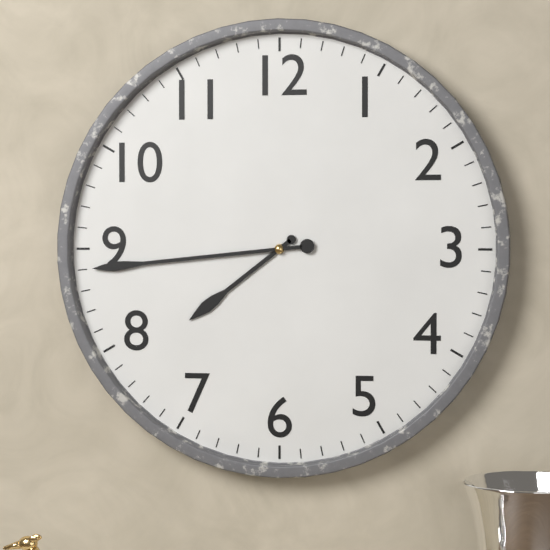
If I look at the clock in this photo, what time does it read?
7:44
